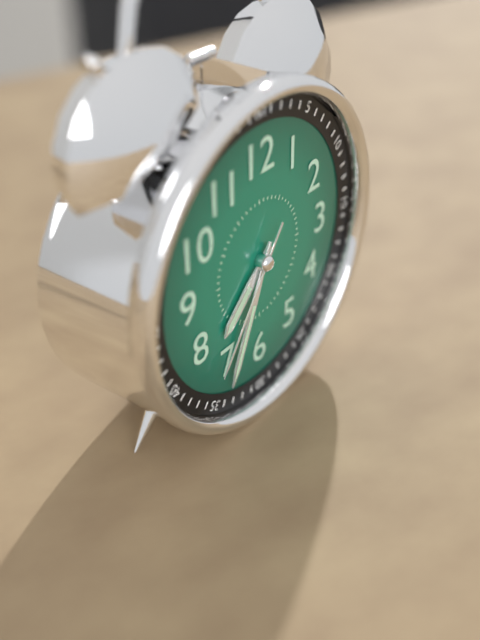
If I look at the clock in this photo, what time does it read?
7:34:36
